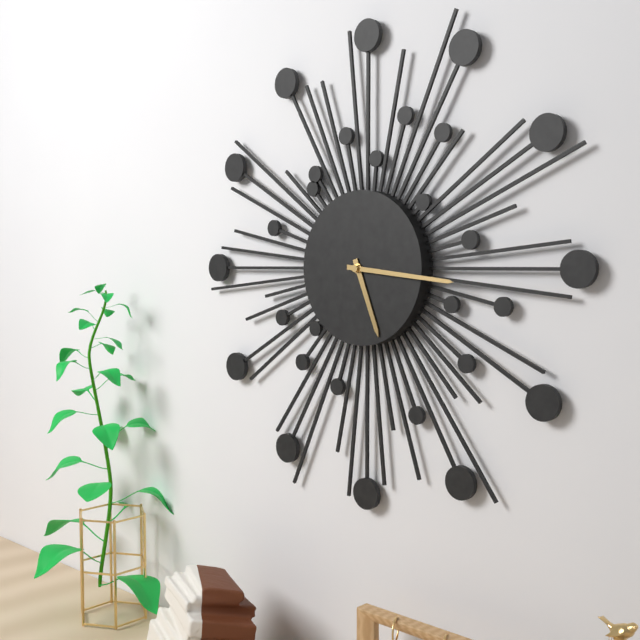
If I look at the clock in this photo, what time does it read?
5:16
